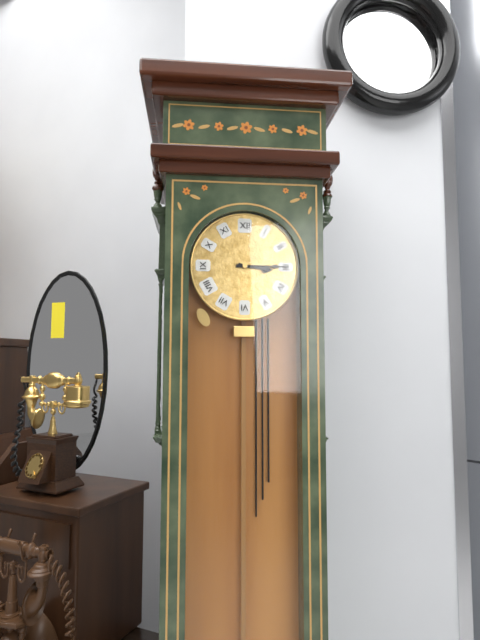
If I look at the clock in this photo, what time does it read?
3:15
